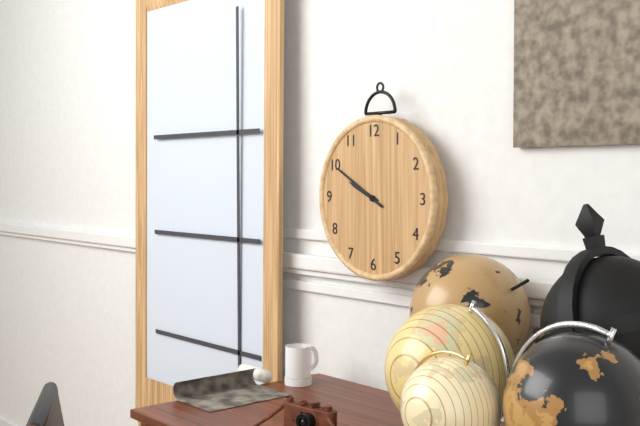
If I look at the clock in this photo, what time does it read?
9:50
